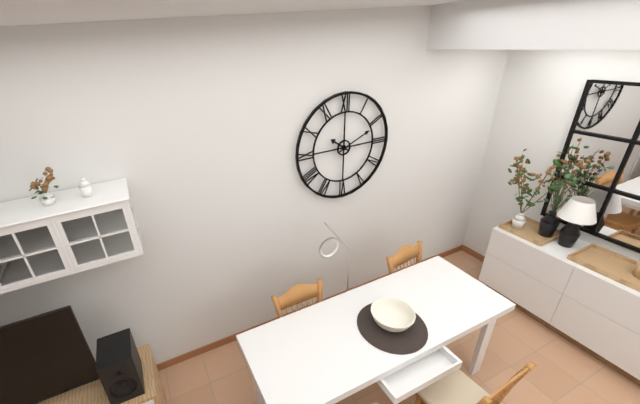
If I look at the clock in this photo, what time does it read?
10:11
